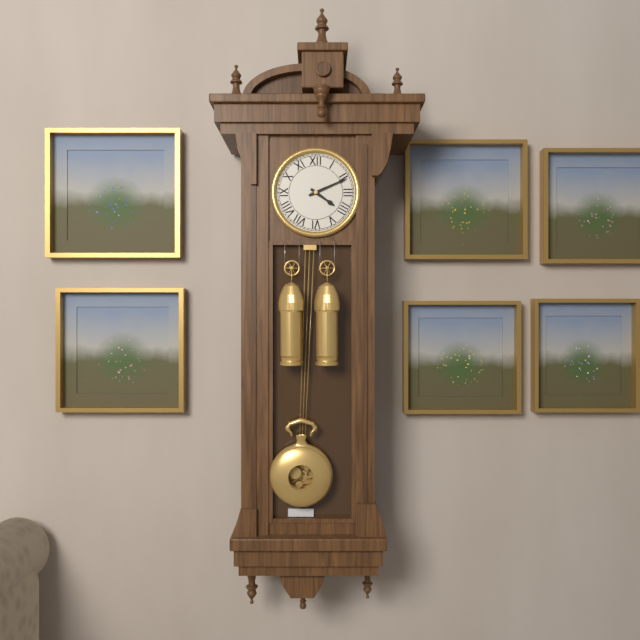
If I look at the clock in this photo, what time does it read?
4:11
